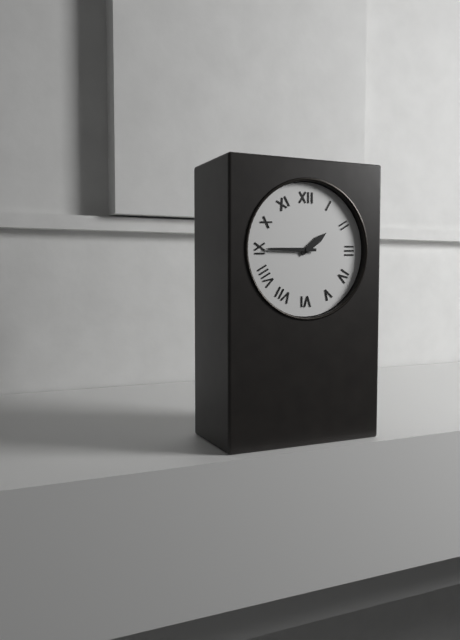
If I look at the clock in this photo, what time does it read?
1:45
